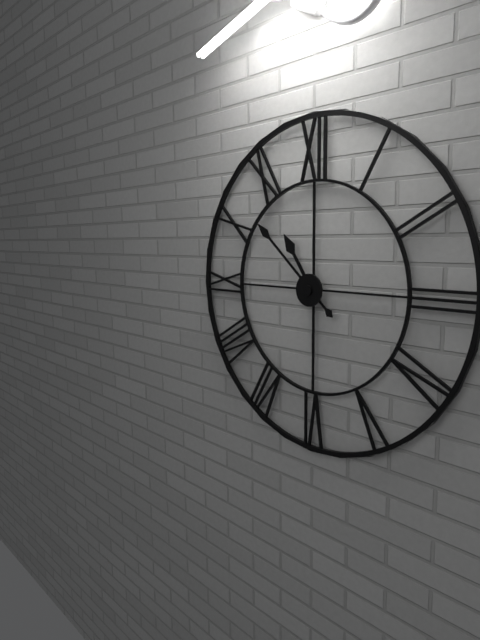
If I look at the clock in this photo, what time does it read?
10:52
